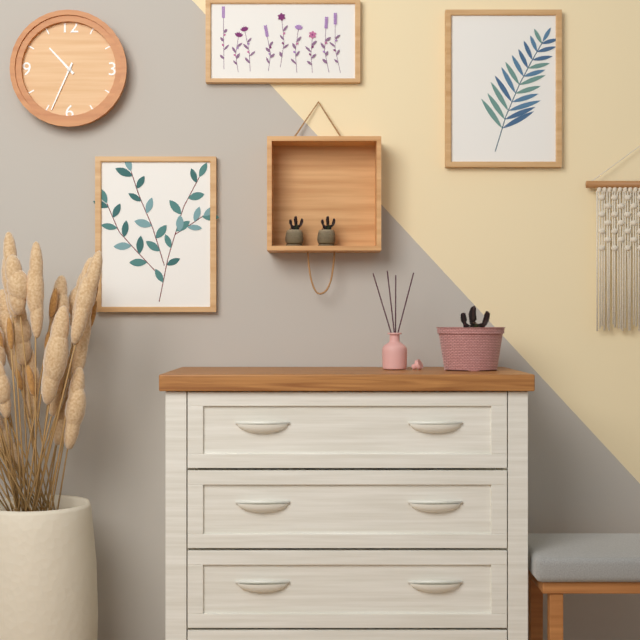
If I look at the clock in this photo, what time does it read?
10:34
